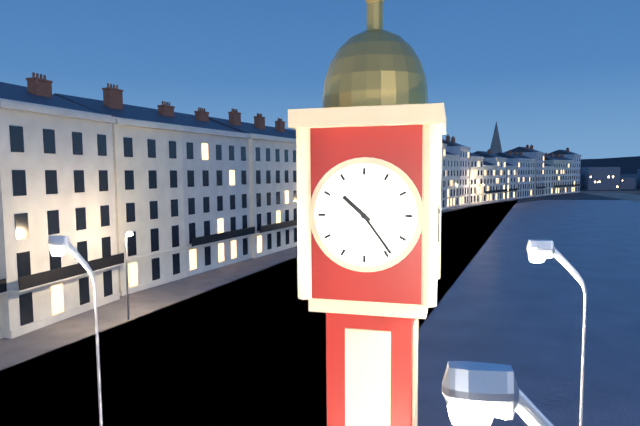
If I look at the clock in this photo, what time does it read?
10:24
